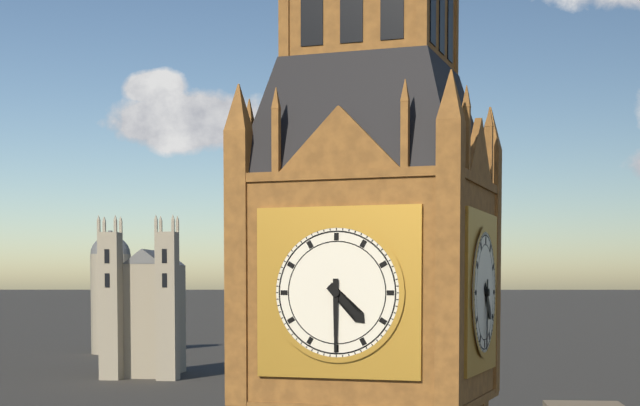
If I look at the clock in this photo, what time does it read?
4:30
